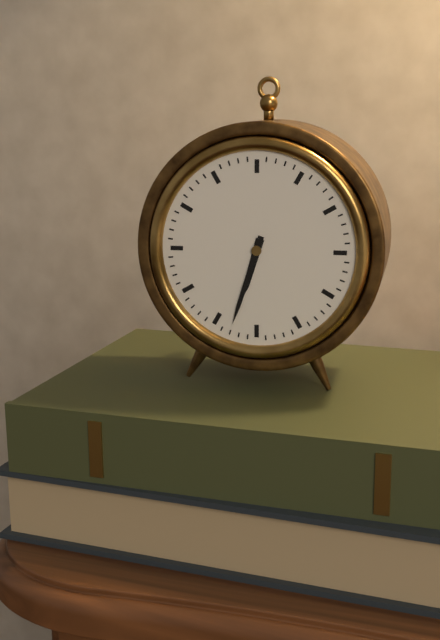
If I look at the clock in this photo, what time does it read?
6:33
